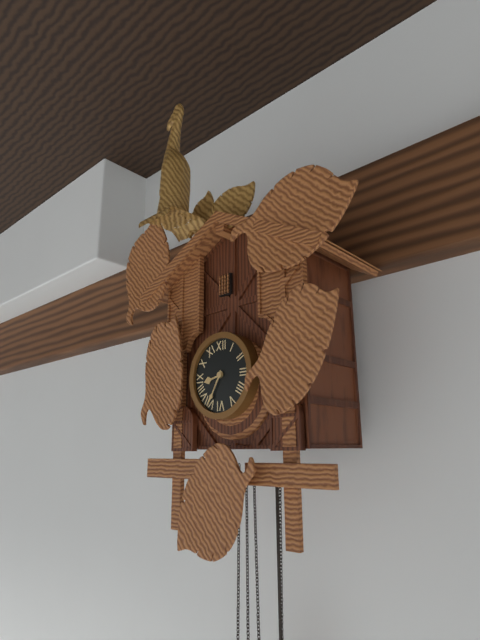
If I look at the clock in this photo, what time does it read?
8:35
